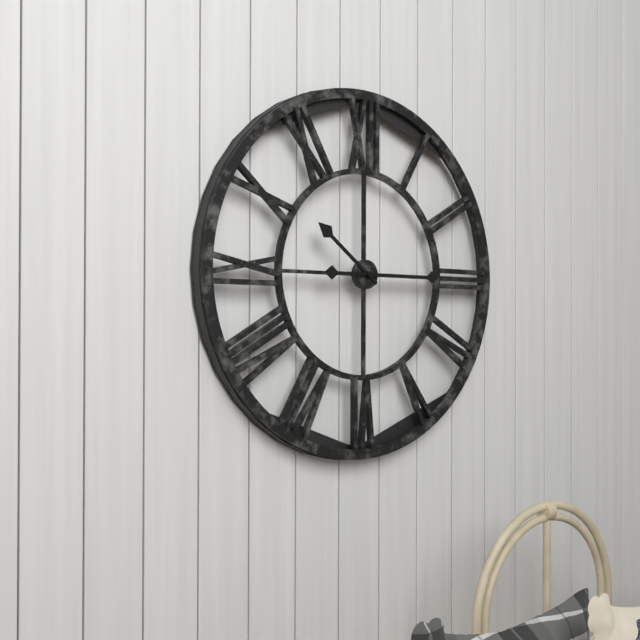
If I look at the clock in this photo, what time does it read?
10:15
